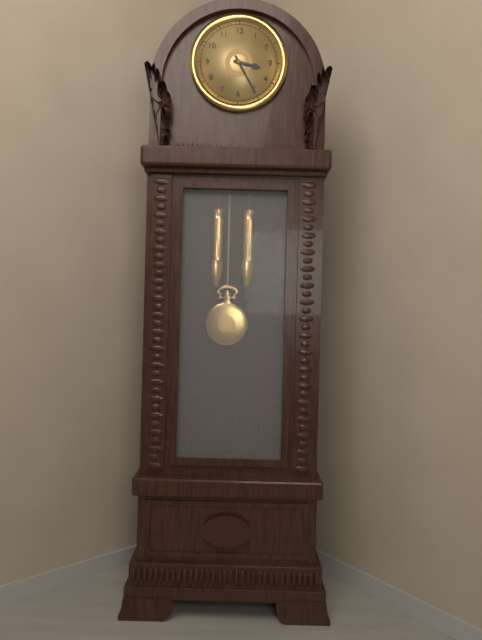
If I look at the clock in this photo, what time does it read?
3:25
